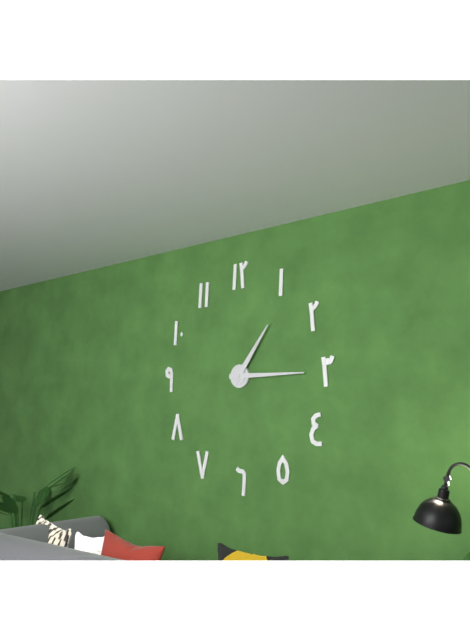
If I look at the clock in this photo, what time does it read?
1:15
